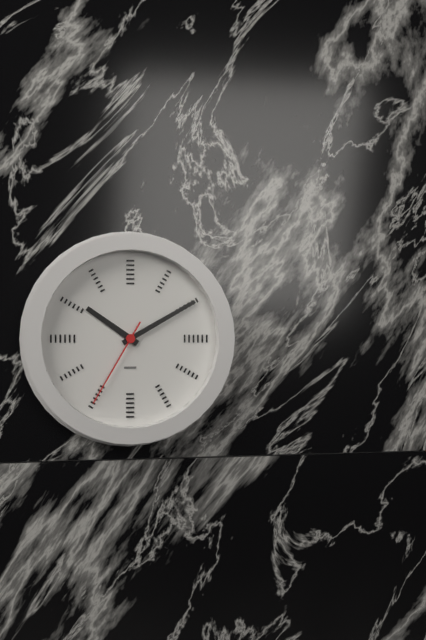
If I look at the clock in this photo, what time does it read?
10:10:35
